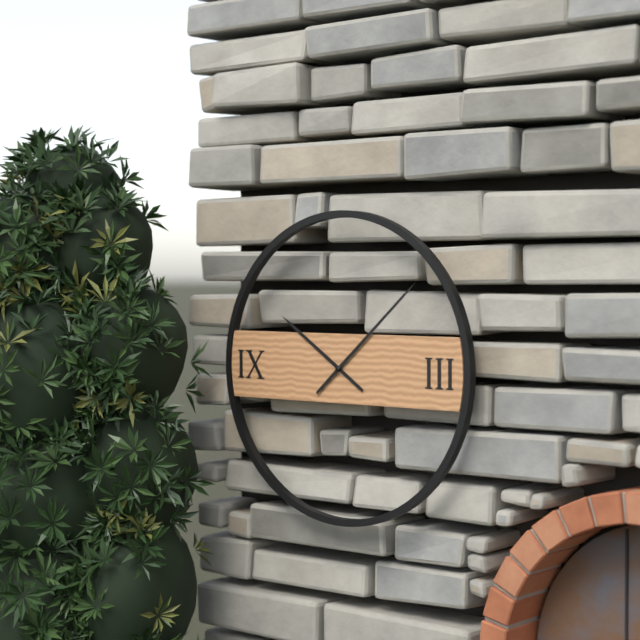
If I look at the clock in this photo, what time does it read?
10:08
